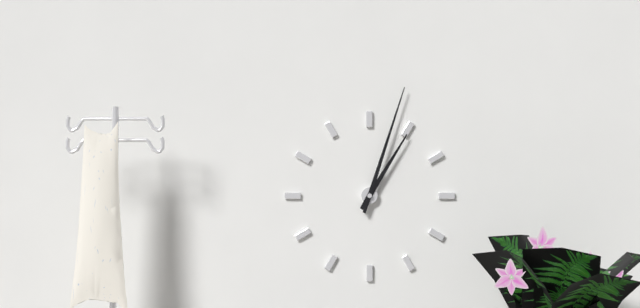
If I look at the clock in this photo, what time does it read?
1:03
